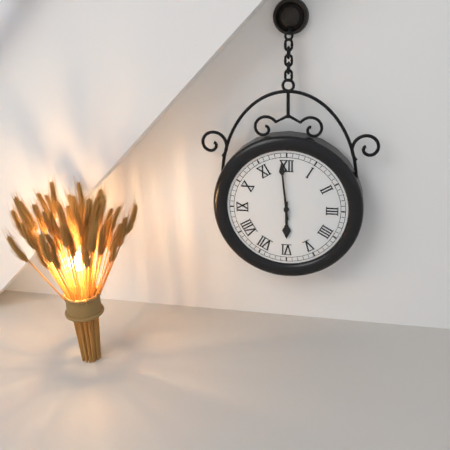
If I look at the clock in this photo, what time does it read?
5:59
